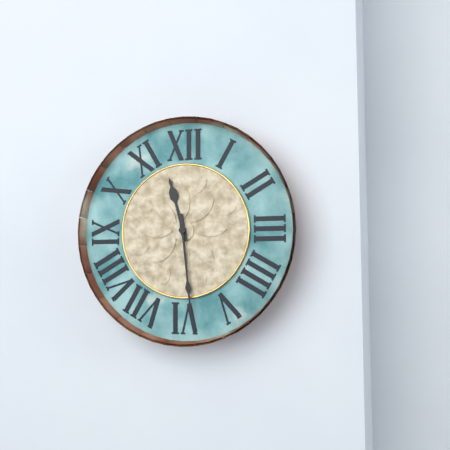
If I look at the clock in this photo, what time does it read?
11:29
